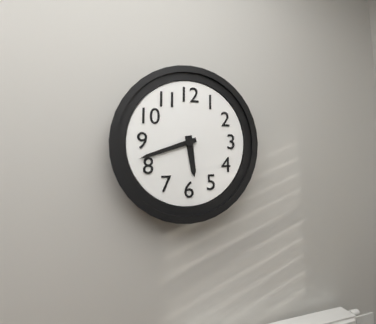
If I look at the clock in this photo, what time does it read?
5:42
